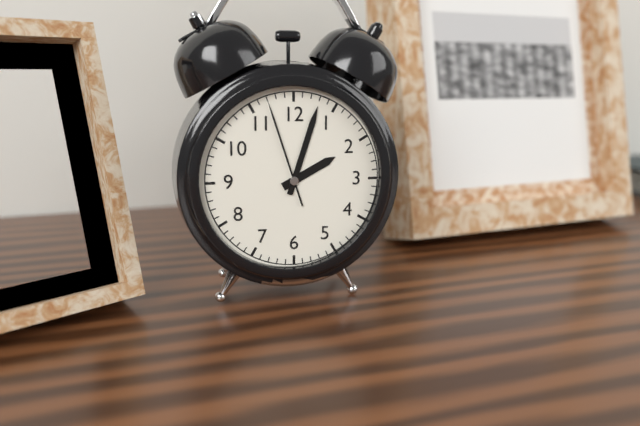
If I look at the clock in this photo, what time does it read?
2:03:57
